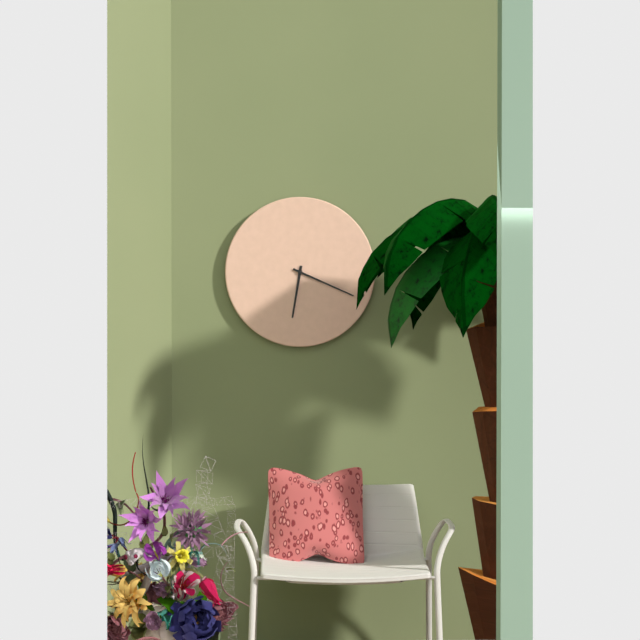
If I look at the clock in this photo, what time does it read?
6:19
